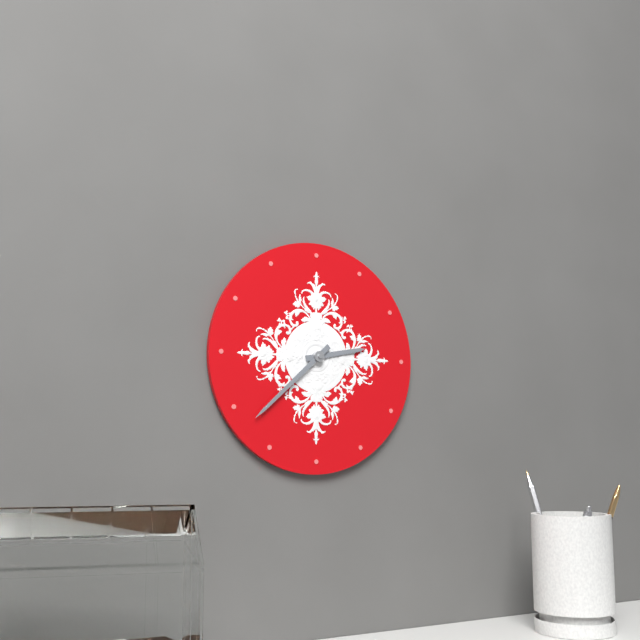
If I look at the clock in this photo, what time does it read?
2:38
